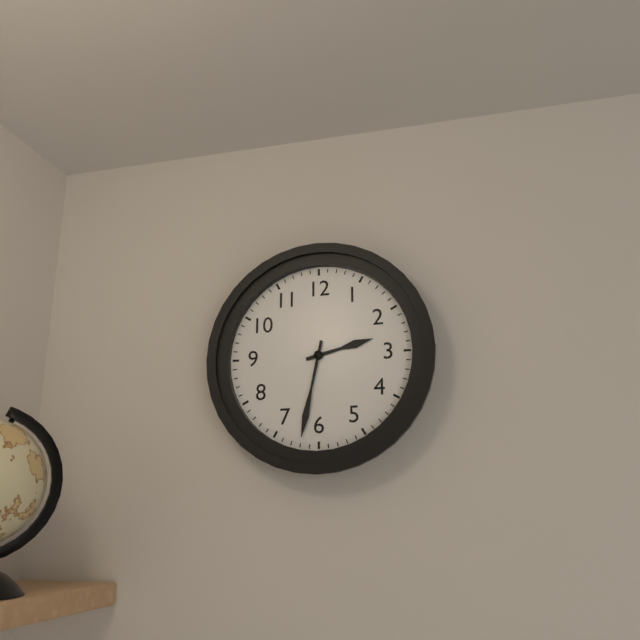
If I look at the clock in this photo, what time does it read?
2:32
